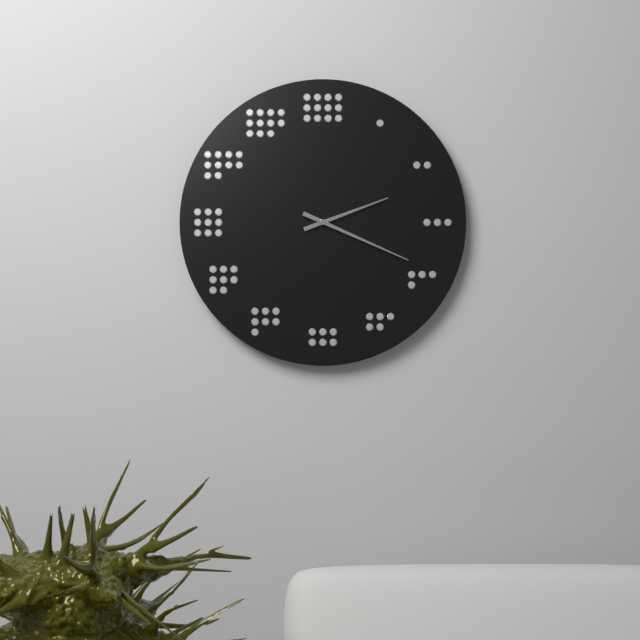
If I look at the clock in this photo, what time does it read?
2:19
